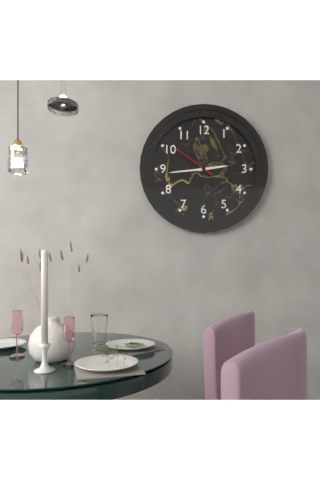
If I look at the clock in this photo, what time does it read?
2:44
